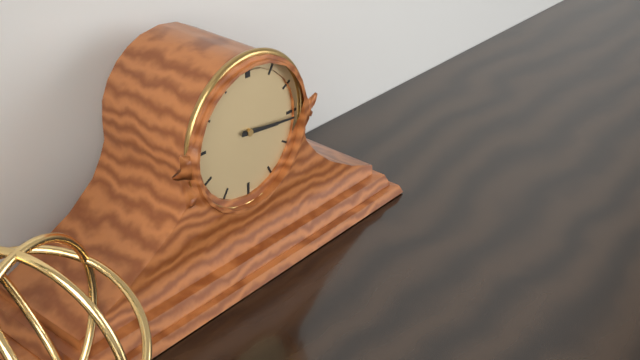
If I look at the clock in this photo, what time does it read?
3:16
